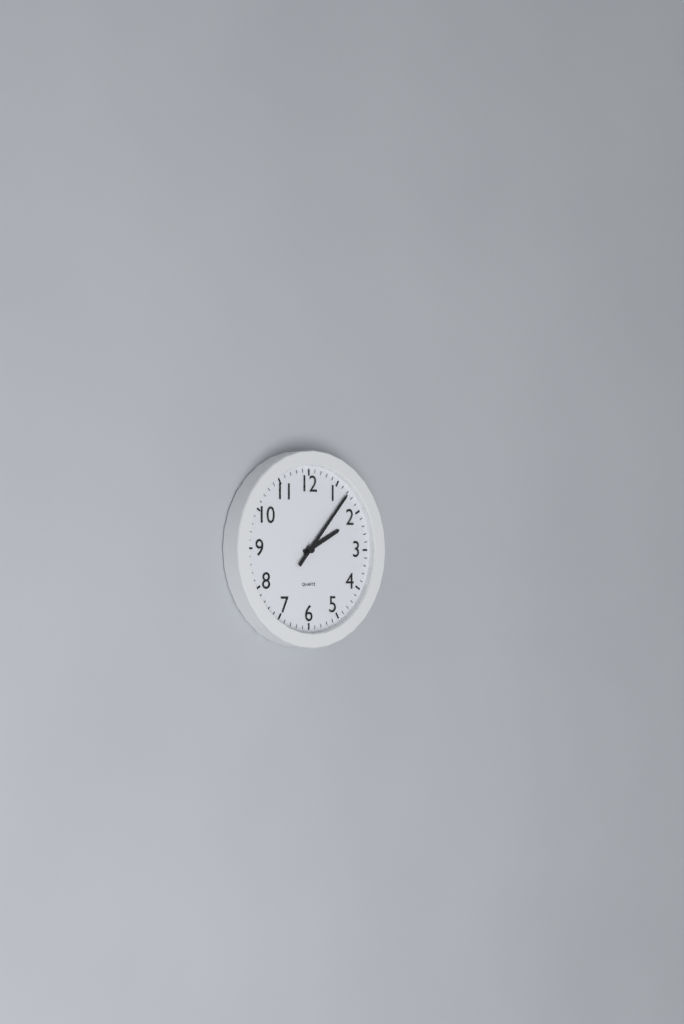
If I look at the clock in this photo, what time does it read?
2:07
